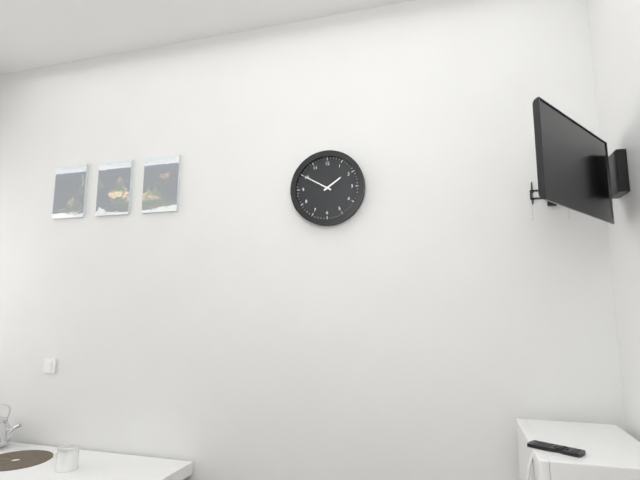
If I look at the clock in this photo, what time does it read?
1:50
